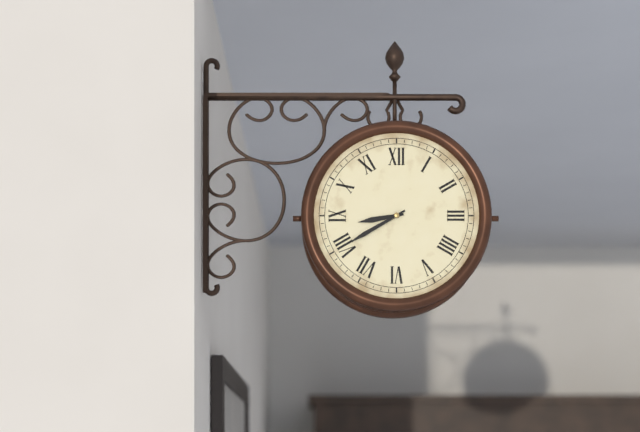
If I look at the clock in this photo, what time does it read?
8:40
